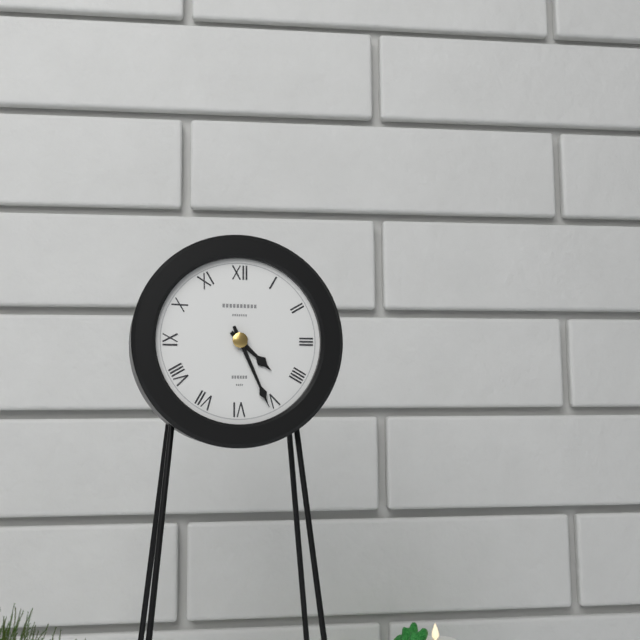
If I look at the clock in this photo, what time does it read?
4:26
